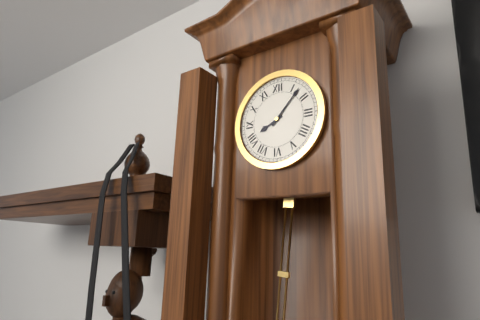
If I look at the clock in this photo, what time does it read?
8:07
